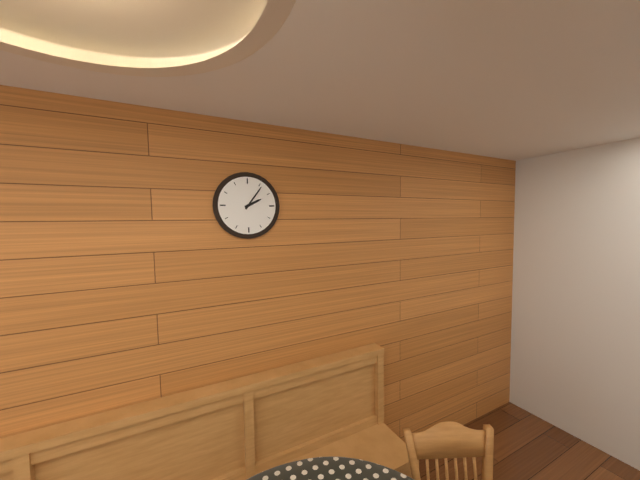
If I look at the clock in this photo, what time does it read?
2:06
